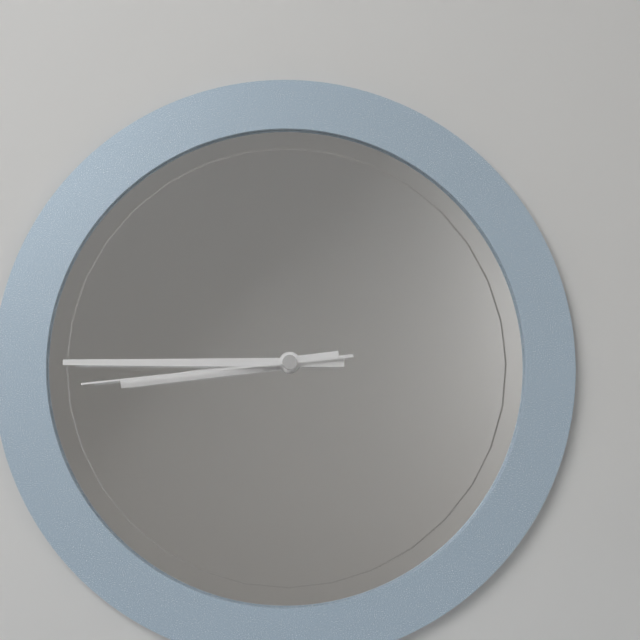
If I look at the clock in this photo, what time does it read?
8:45:44
